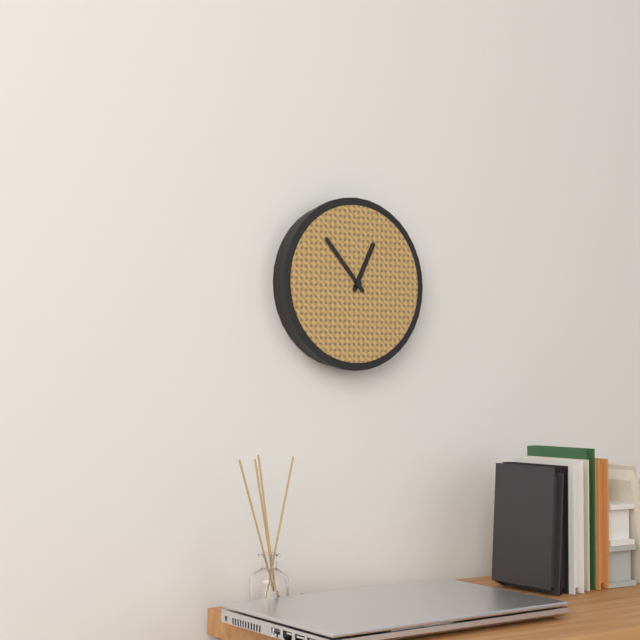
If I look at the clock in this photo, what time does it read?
12:53
